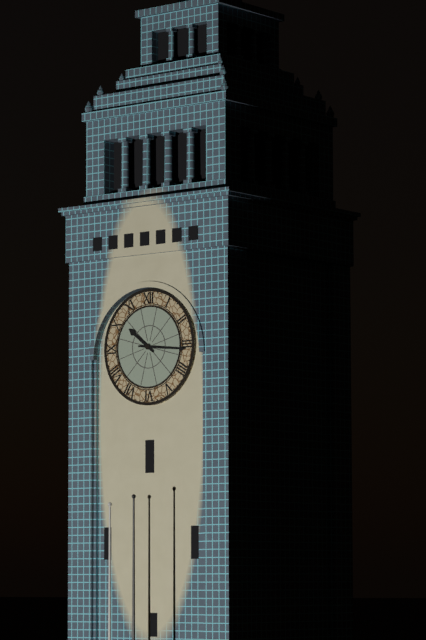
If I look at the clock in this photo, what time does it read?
10:16
